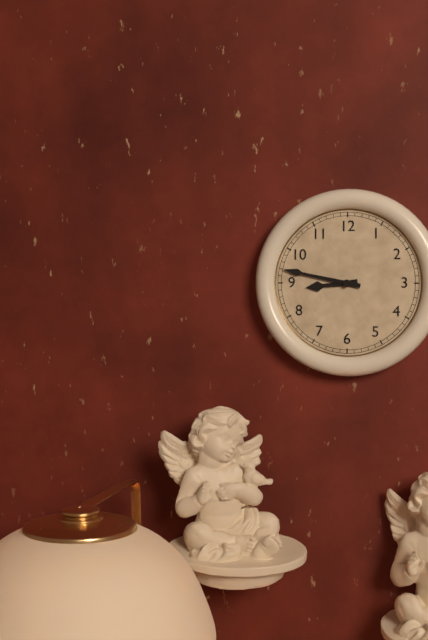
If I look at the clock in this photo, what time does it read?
8:47
